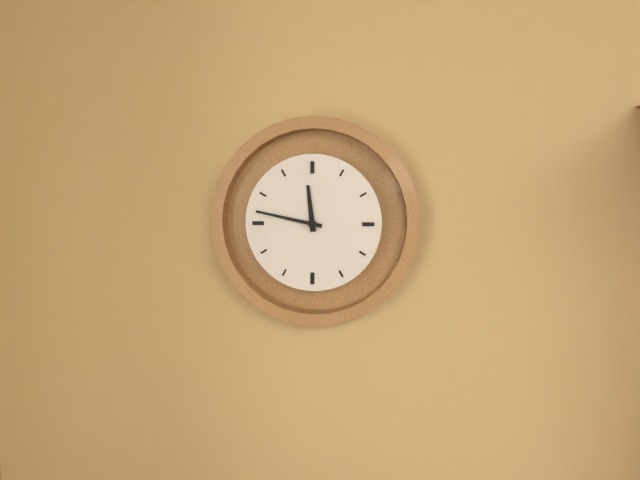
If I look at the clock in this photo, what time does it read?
11:47
